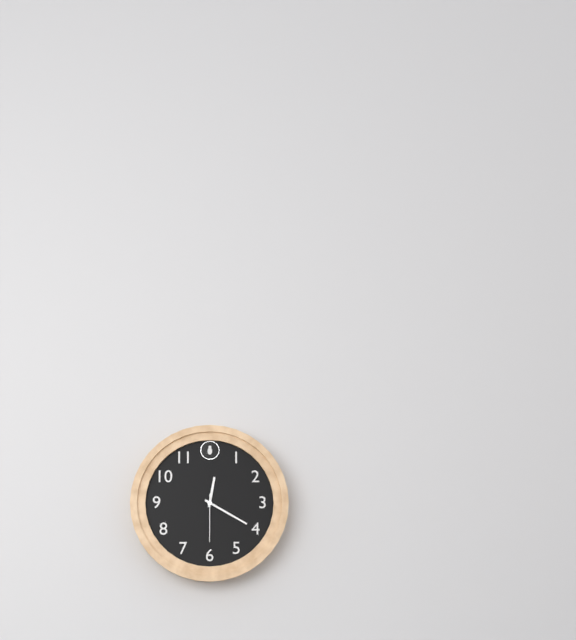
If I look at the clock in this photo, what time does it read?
12:20
